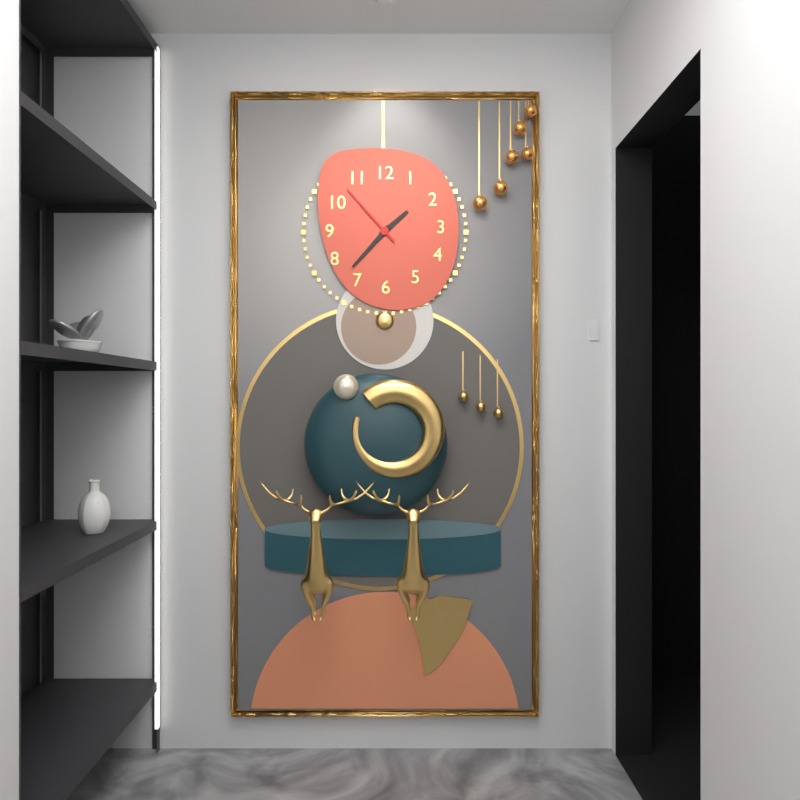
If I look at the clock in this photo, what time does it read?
1:37:53
